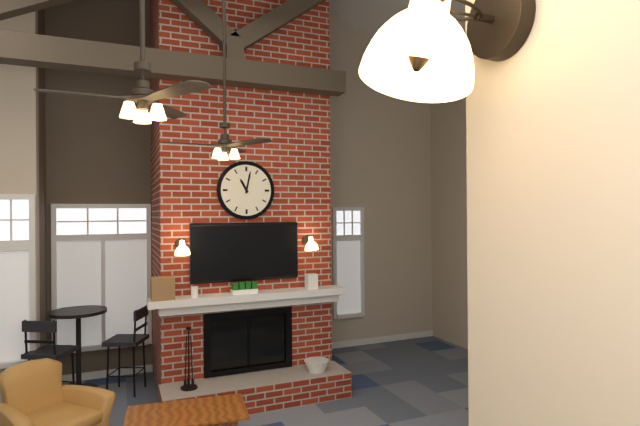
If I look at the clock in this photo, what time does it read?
11:02
